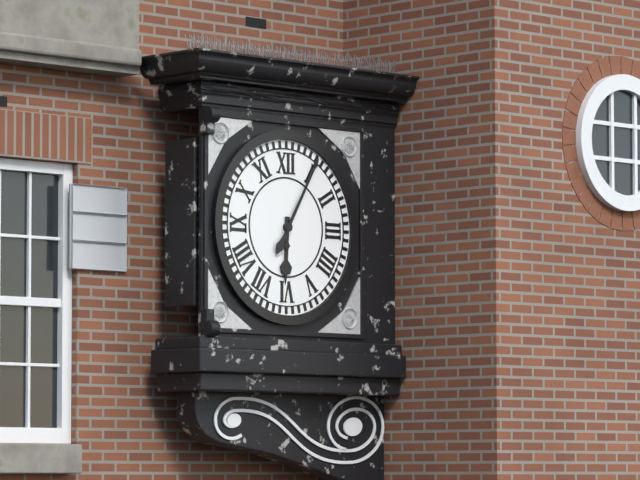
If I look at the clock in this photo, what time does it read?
6:05
